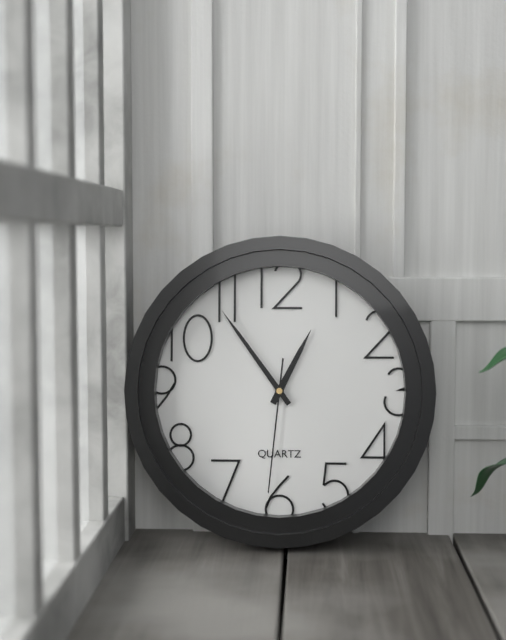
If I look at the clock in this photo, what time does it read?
12:54:31
